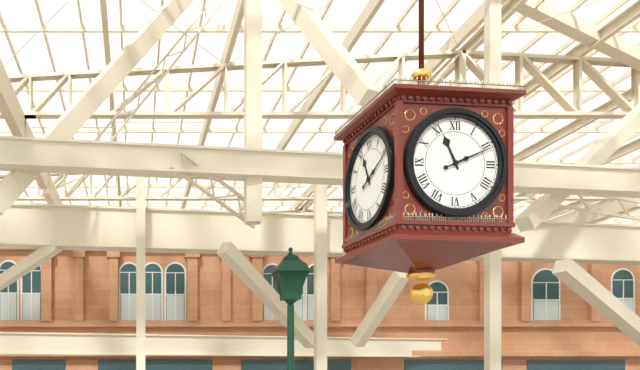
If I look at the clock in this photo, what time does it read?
11:11
